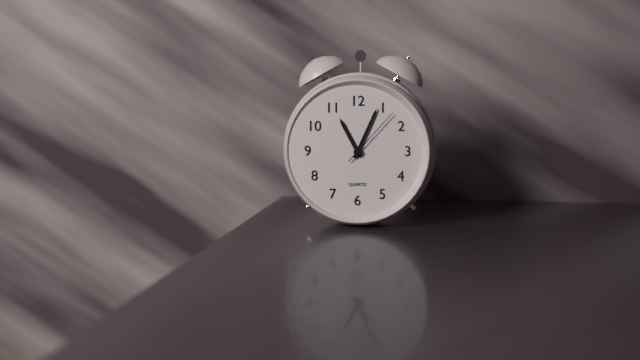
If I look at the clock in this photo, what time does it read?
11:04:07
